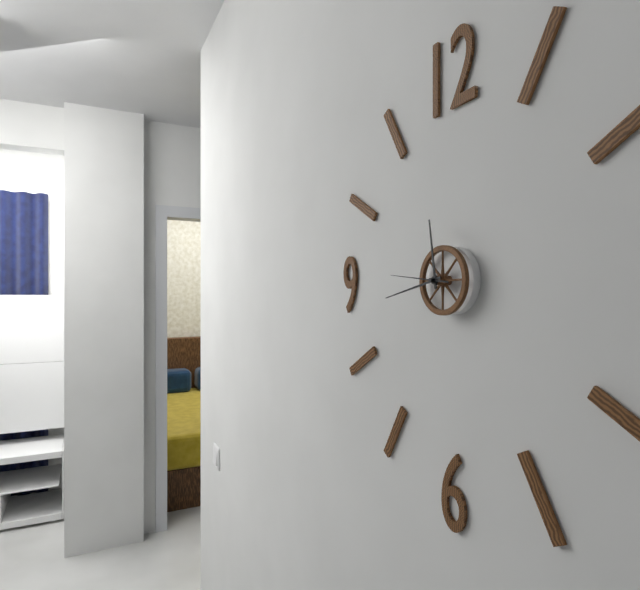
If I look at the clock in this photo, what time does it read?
11:43:46
